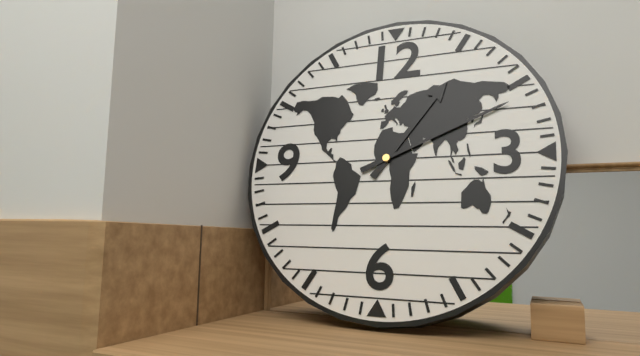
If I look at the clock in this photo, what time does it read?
1:11
